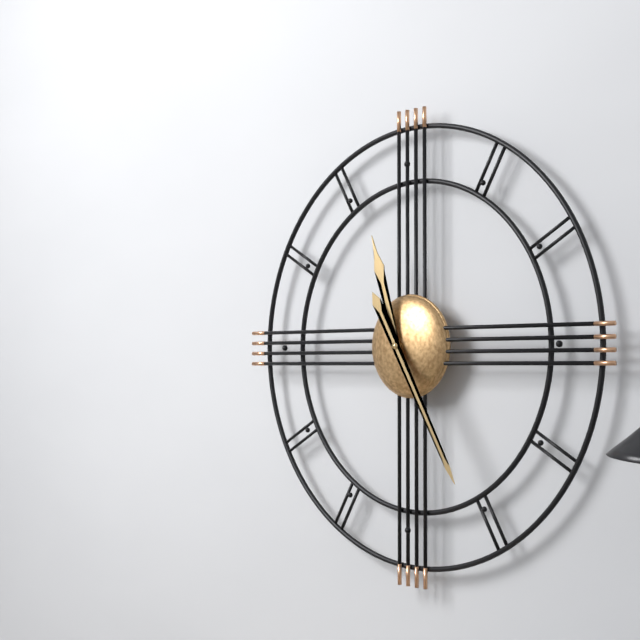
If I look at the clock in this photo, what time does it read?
11:25
